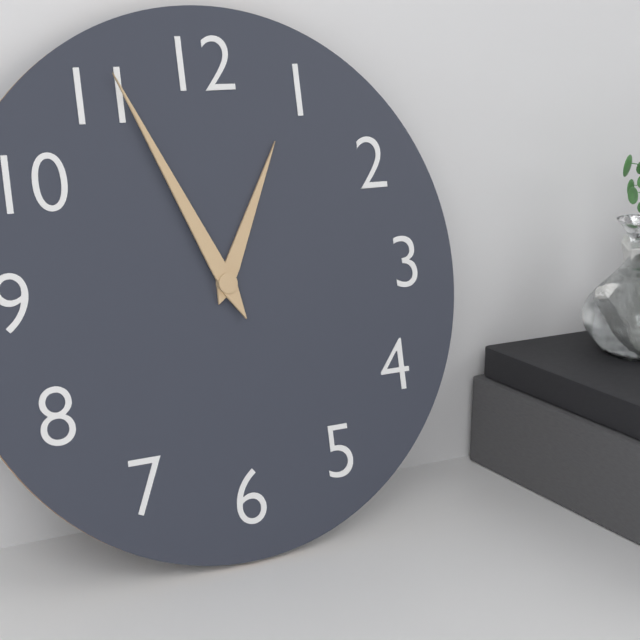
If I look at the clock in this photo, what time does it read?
12:56
